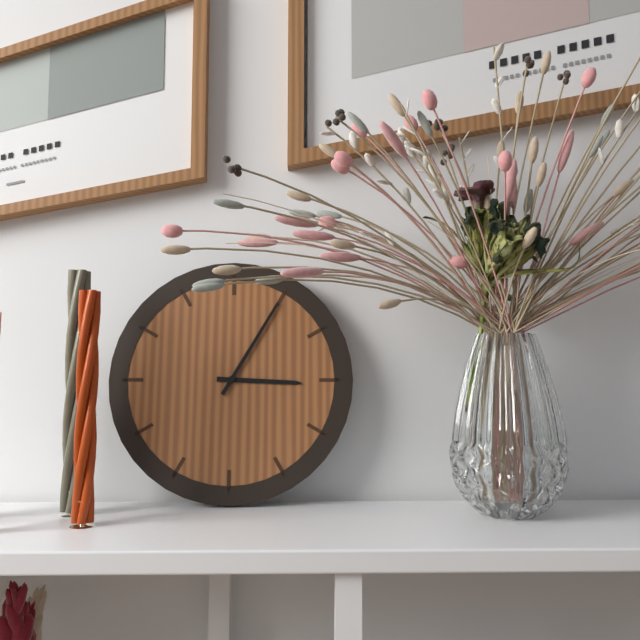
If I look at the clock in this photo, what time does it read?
3:05
